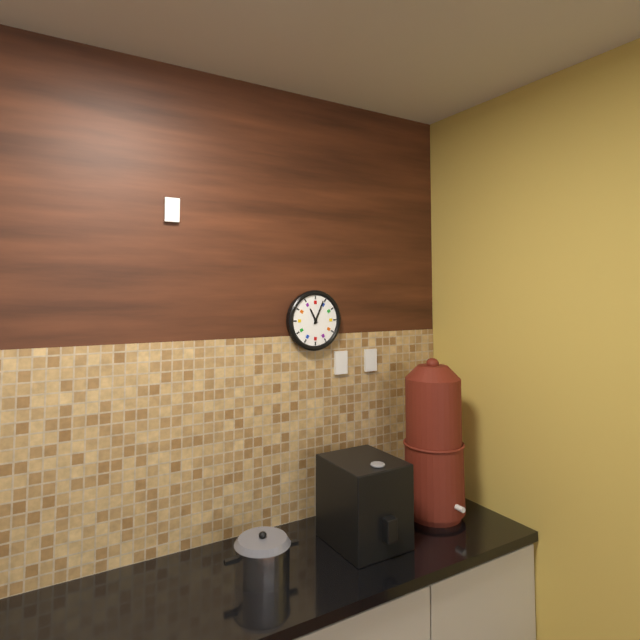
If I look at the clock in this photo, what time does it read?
11:04
